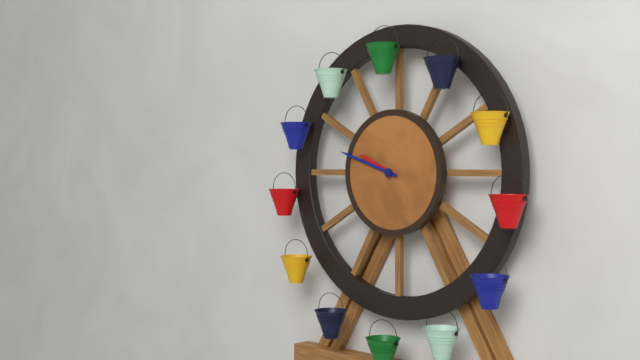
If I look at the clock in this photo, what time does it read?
9:48
